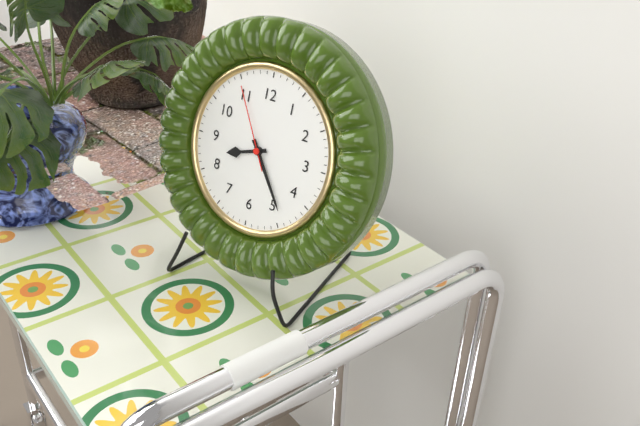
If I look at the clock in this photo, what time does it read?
8:24:55
